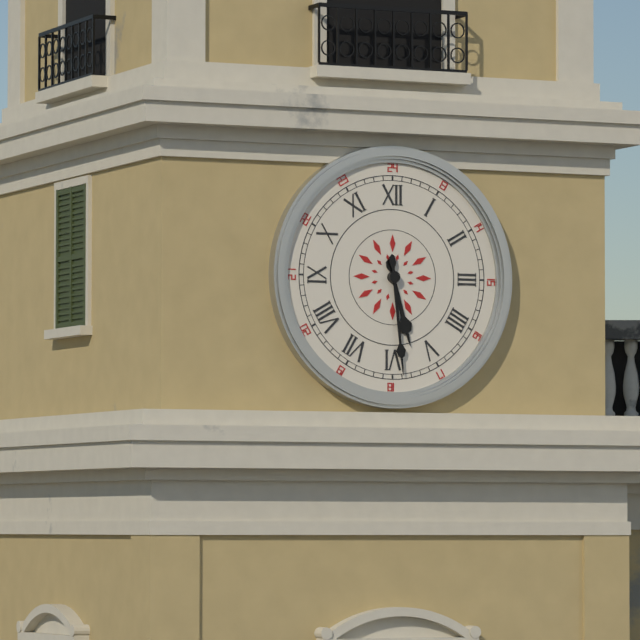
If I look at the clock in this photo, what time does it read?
5:29
